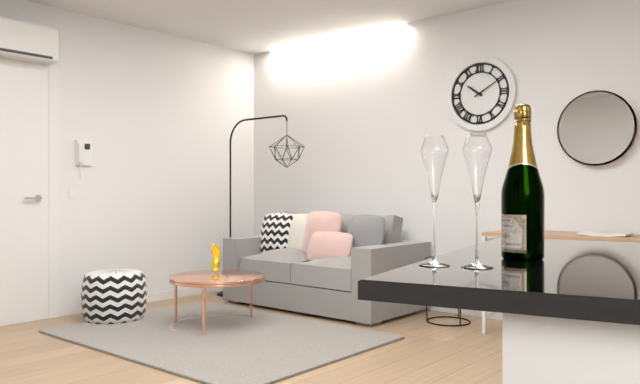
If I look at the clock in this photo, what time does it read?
10:10
